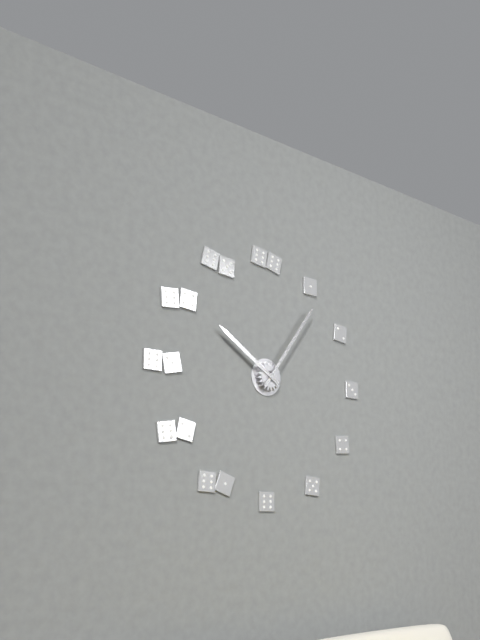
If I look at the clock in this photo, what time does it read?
10:06
